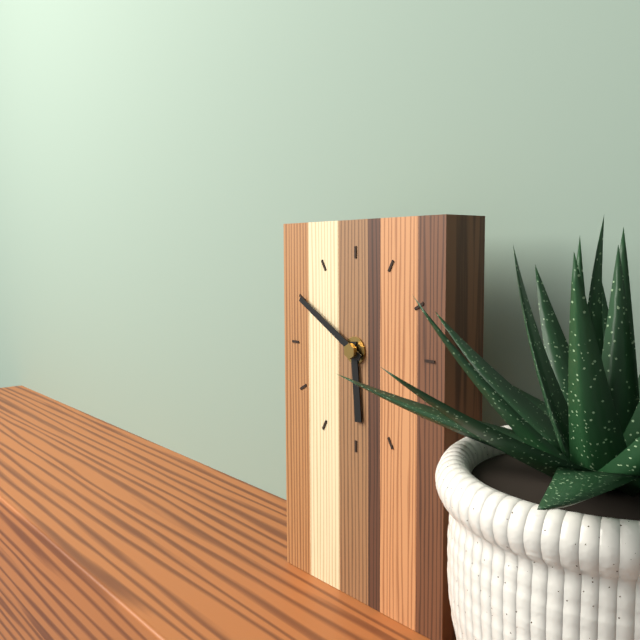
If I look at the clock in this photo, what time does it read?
5:50
